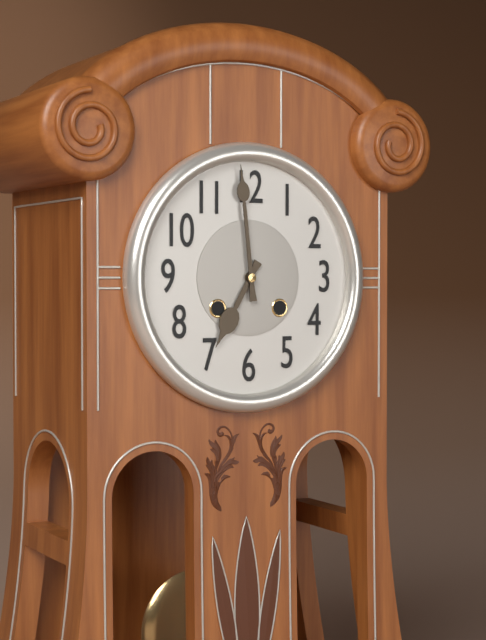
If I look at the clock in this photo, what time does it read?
6:59
